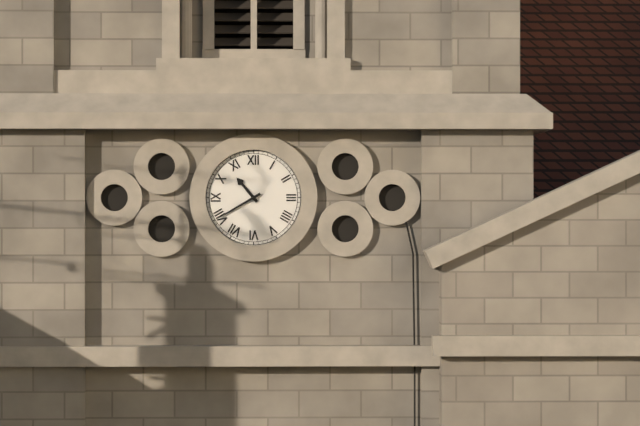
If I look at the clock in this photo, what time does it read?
10:40
